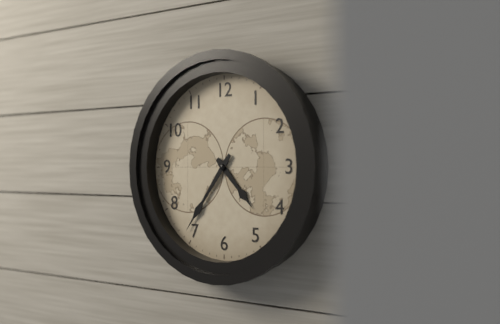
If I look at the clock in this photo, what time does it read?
4:36
